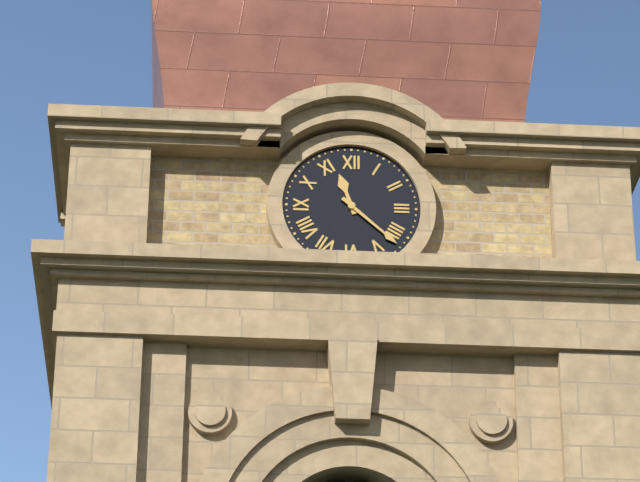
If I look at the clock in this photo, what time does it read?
11:22
